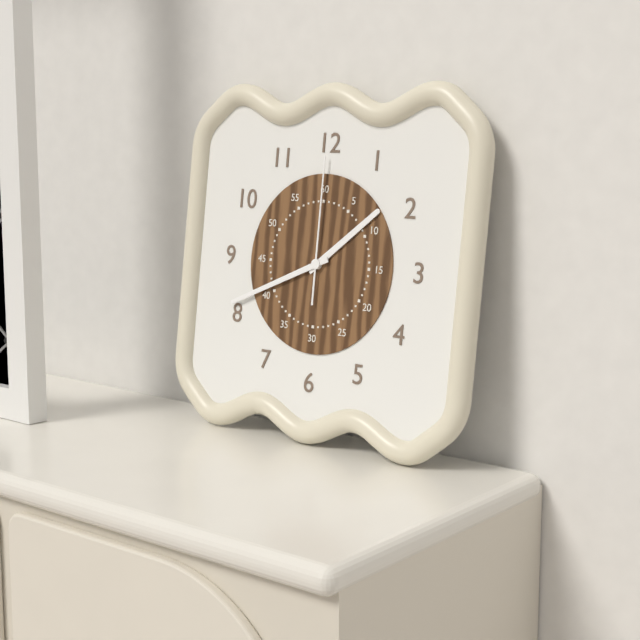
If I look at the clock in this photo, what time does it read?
1:41:00
